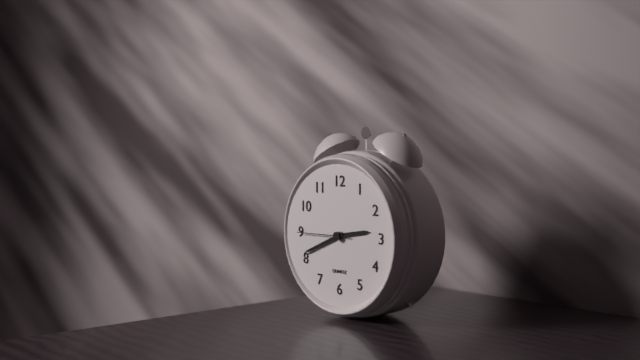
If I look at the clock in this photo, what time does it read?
2:41:45
